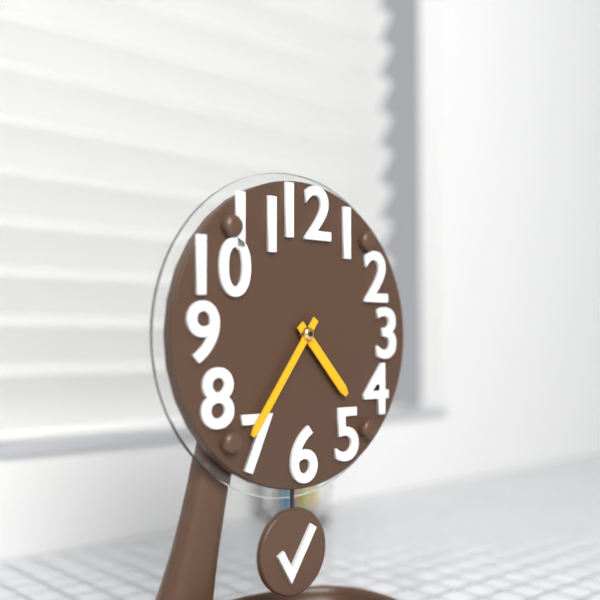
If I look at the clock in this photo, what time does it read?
4:36
